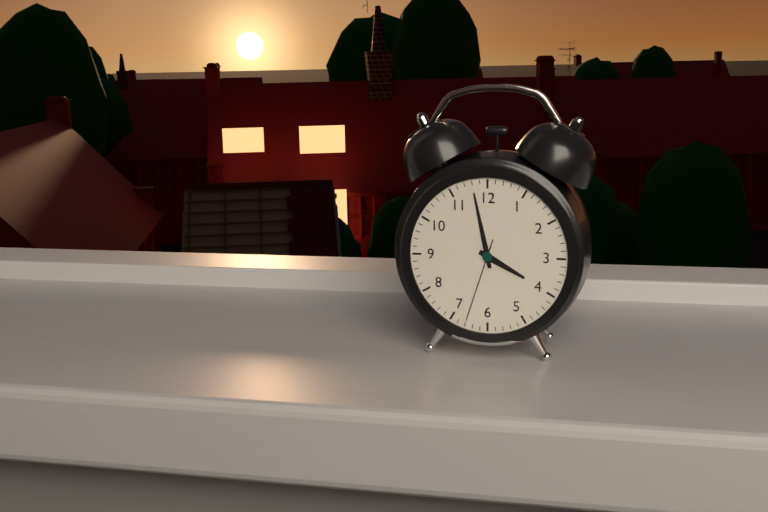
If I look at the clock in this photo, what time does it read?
3:58:33
